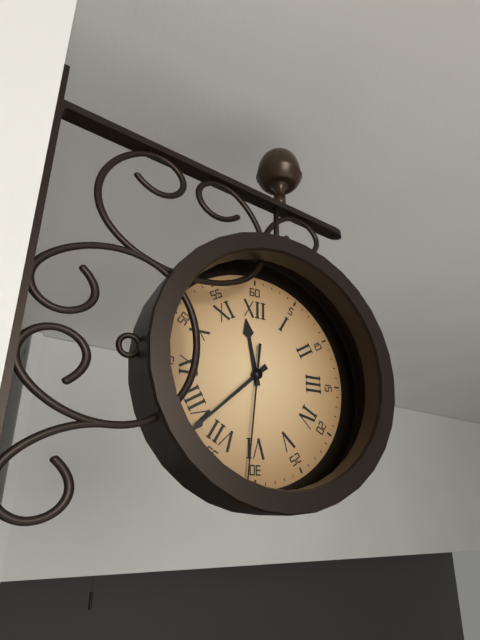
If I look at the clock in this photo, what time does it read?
11:38:31
